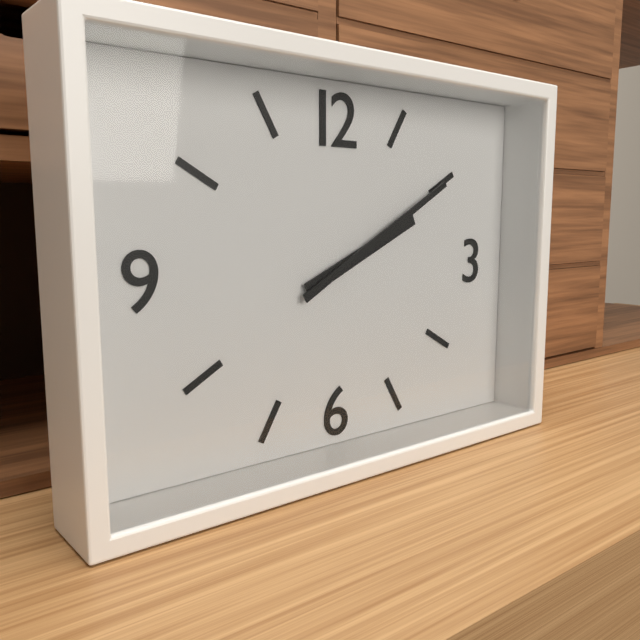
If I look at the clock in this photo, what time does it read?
2:10
